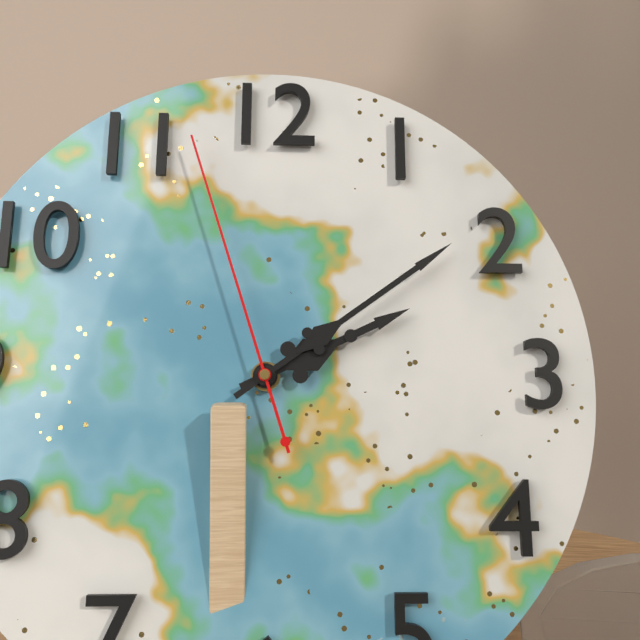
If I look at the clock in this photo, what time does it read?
2:09:57
